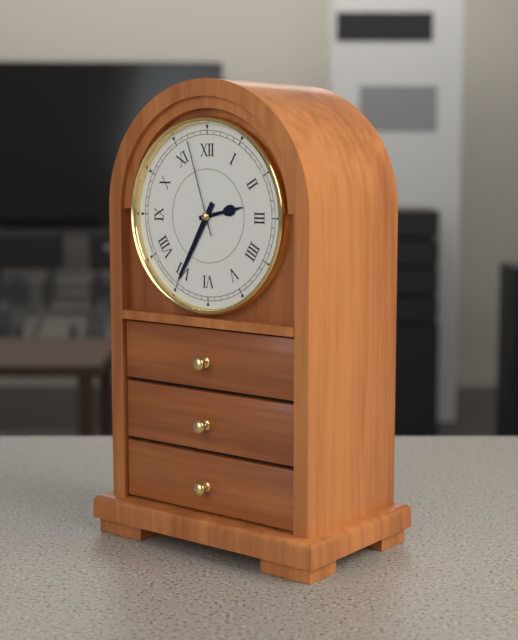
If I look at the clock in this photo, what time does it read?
2:35:57
